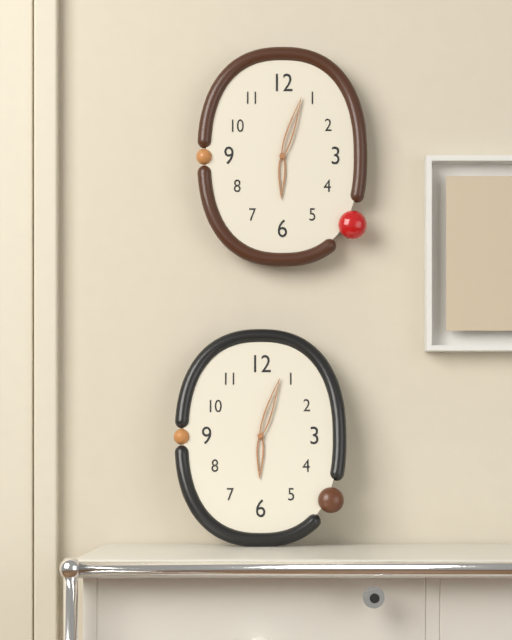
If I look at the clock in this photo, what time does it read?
6:03
